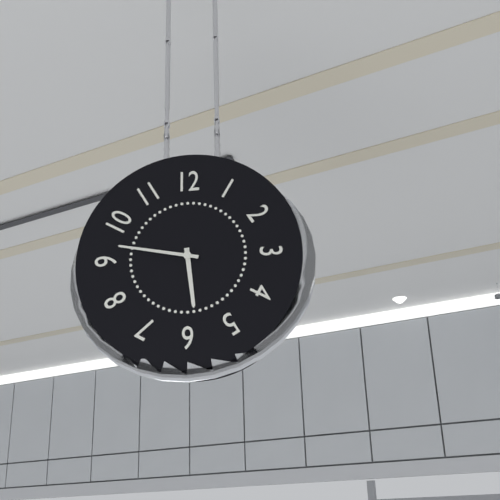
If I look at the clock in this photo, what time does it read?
5:47
